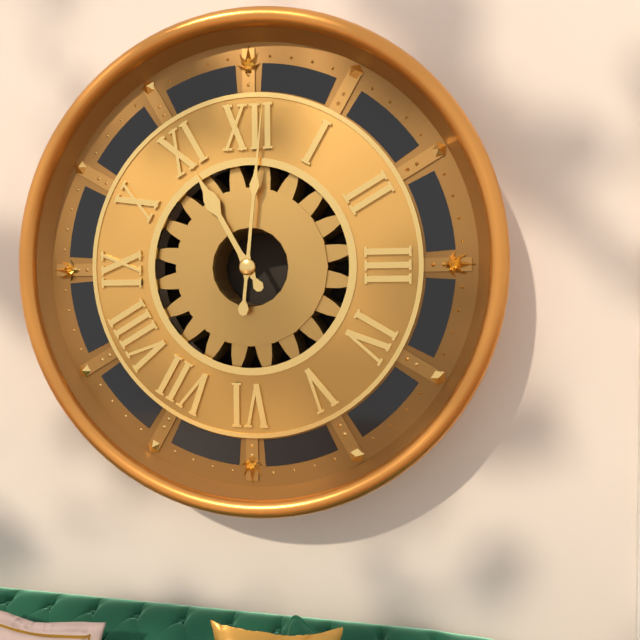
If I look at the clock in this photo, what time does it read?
11:01
